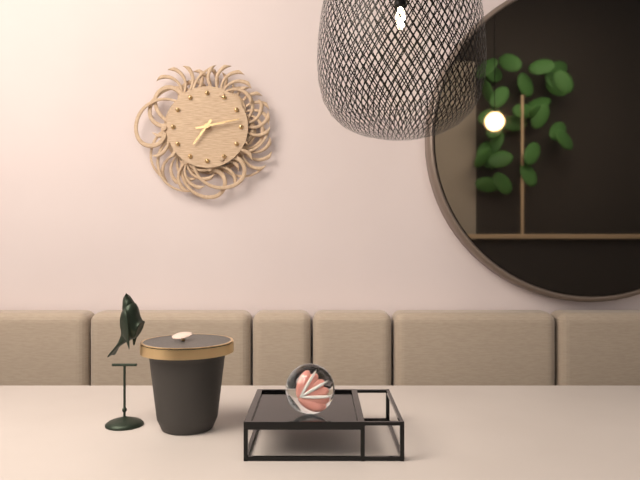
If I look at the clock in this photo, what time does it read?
7:13
